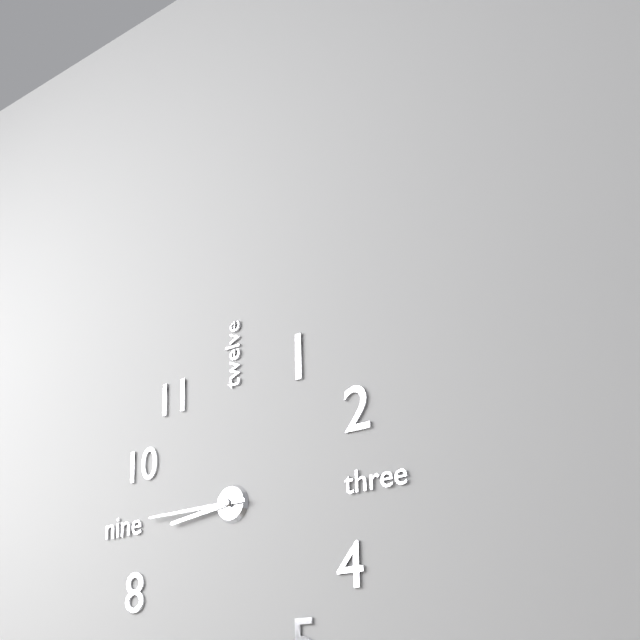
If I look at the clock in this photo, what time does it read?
8:45
